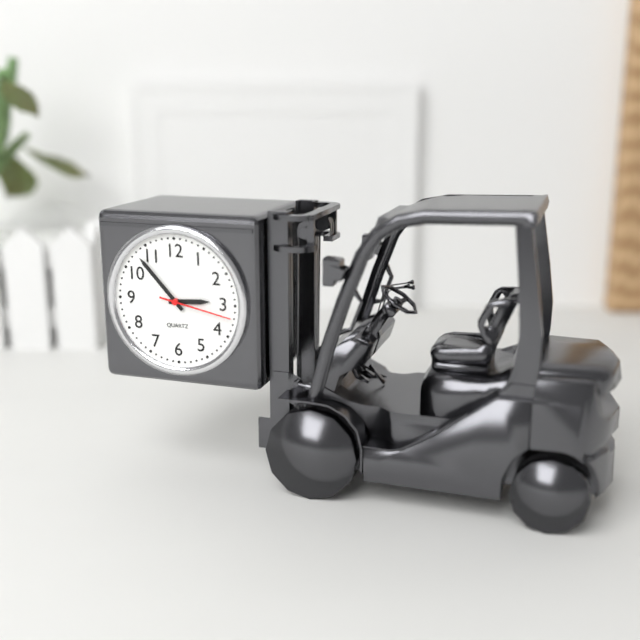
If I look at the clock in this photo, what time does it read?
2:53:17
